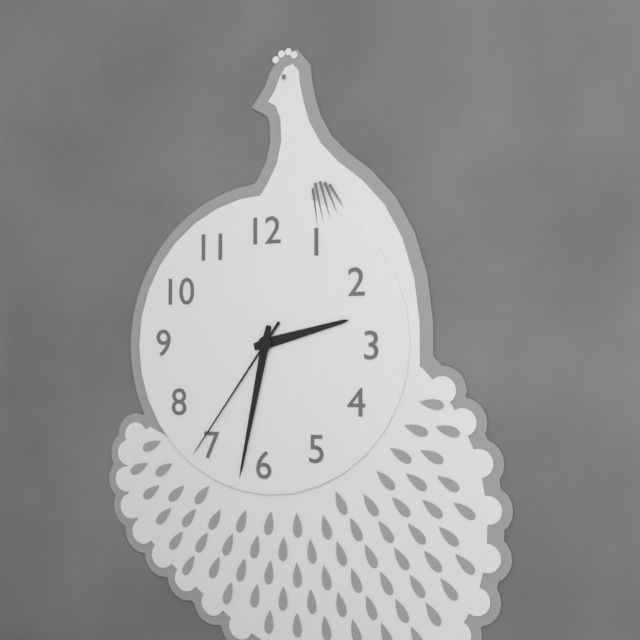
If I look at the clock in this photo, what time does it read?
2:32:36
